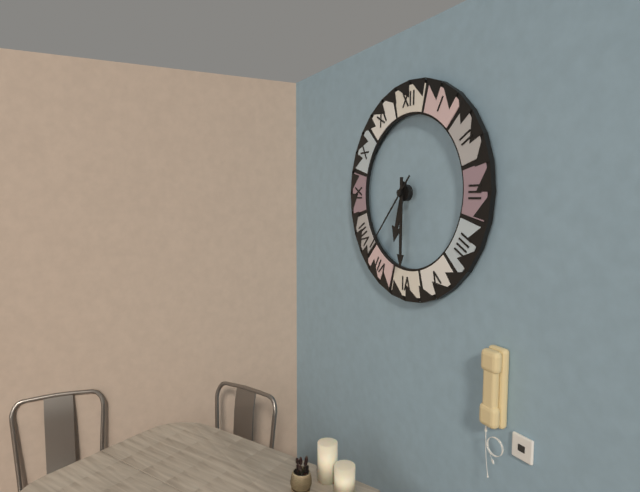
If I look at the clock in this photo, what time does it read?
6:30:37
